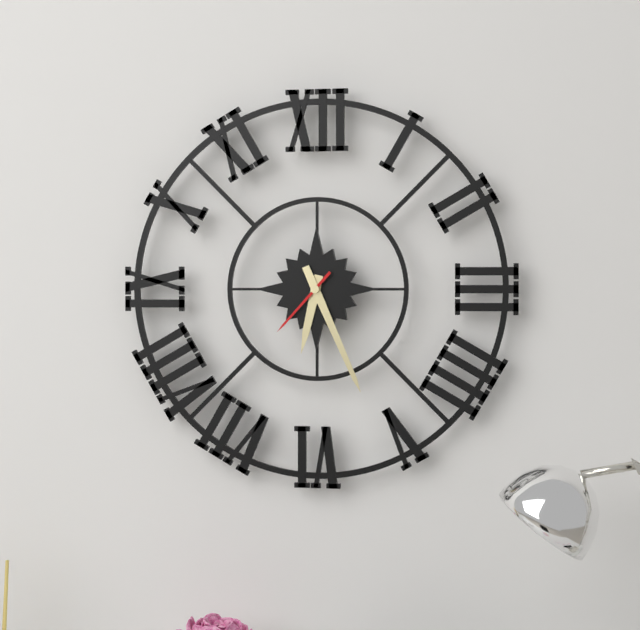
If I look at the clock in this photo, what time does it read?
6:26:37
